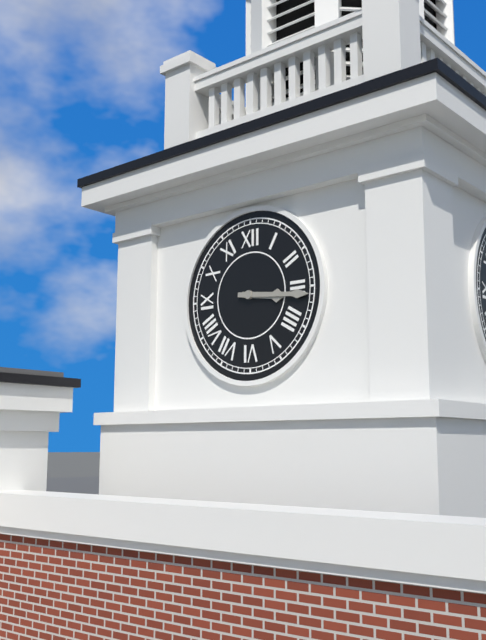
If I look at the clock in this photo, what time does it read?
3:16
